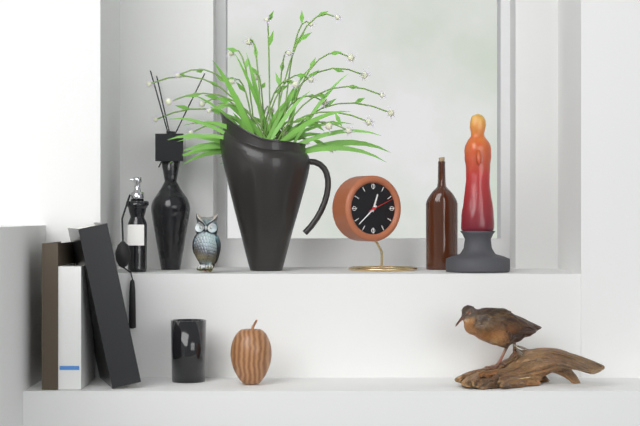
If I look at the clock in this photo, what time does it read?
12:38
